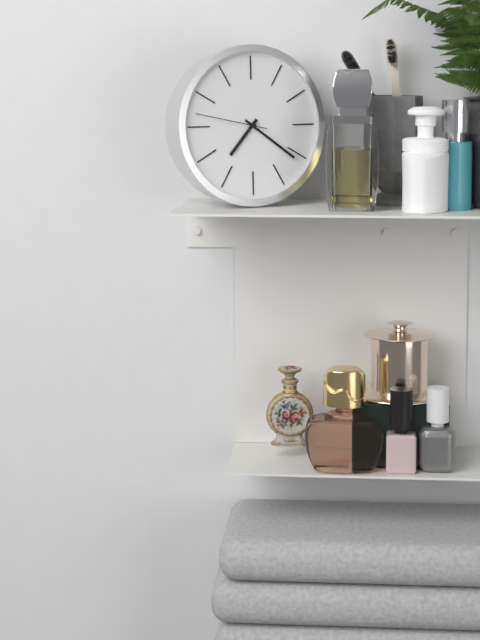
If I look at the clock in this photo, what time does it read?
7:21:47
